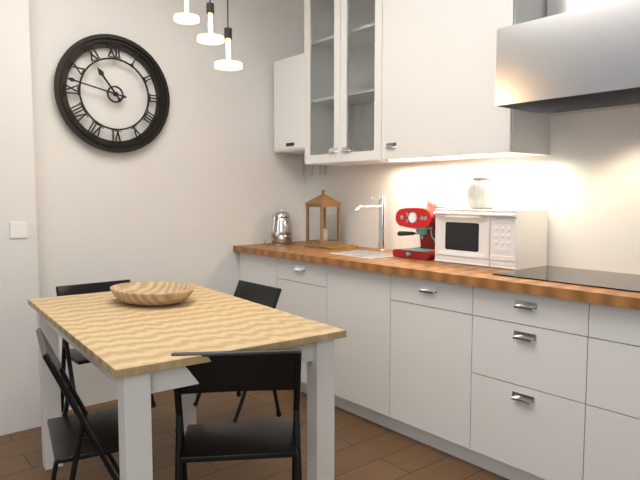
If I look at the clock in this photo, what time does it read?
10:47
